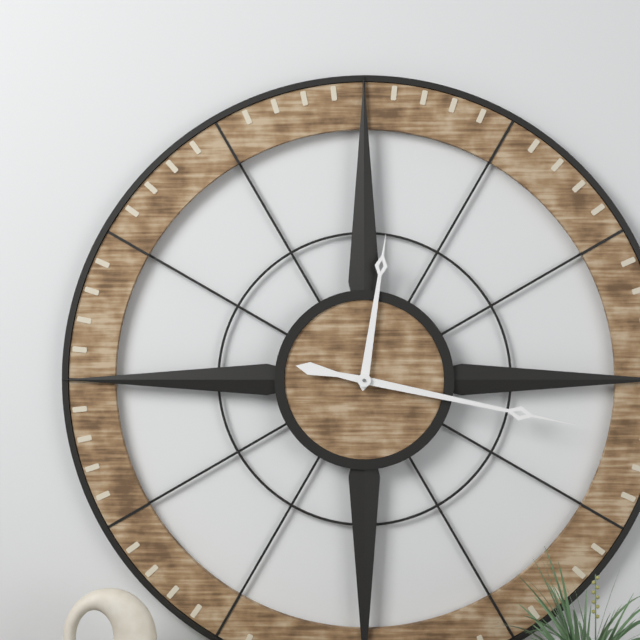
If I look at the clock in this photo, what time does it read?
12:17
